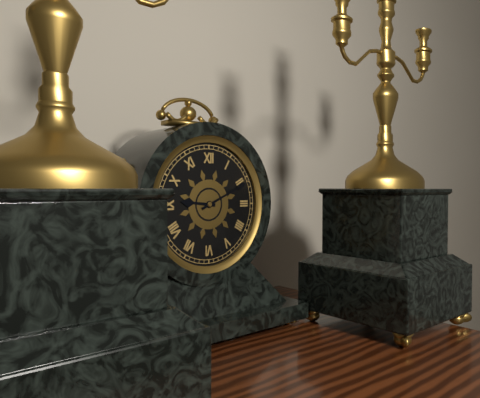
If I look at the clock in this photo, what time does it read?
9:11
